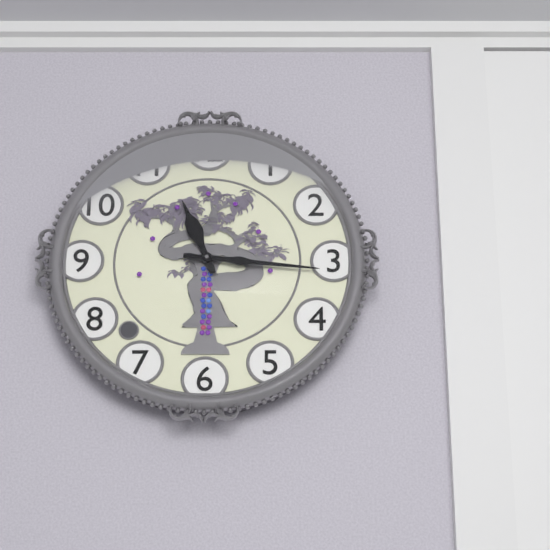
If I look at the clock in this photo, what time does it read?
11:16
